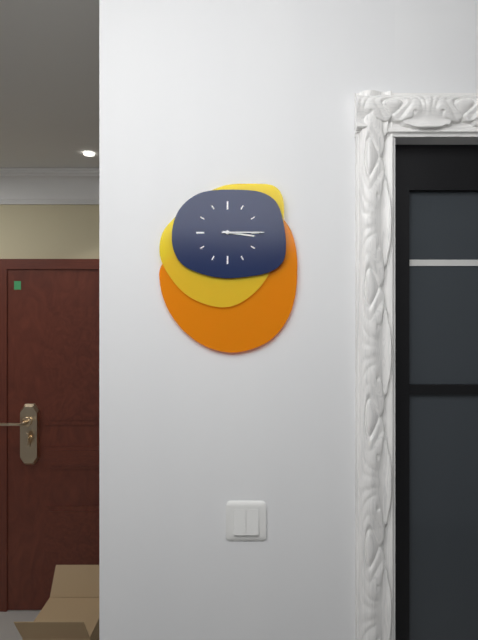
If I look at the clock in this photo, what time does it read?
3:15
